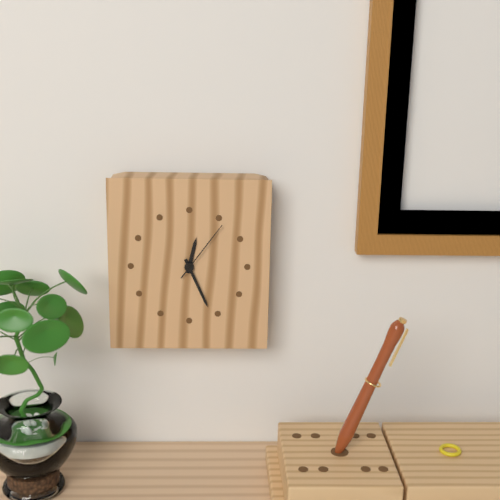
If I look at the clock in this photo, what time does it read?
12:26:06
